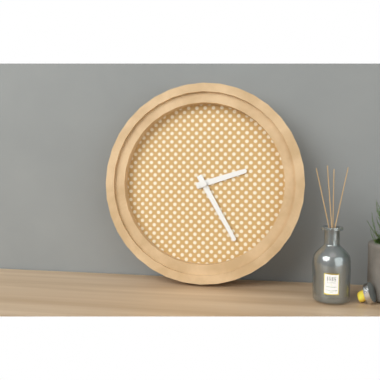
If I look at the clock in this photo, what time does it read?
2:25
